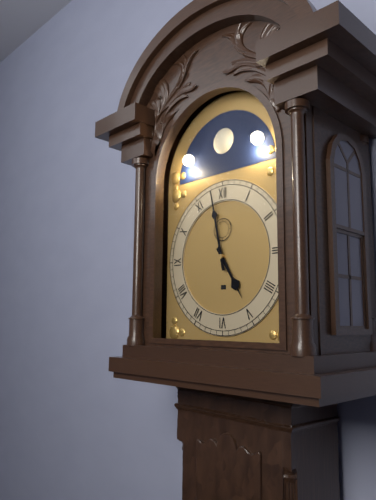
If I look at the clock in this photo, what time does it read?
4:58
